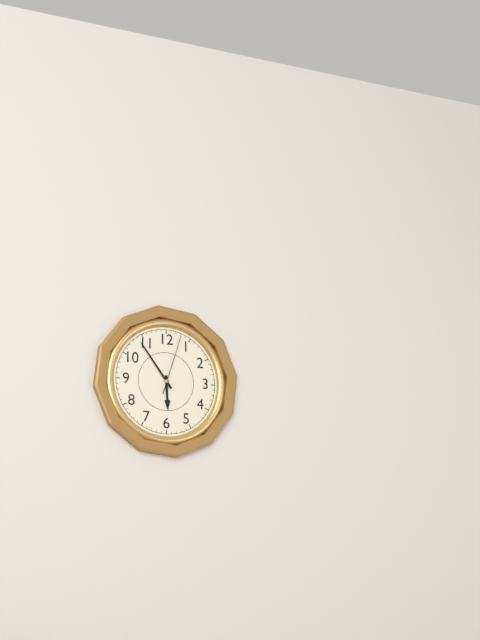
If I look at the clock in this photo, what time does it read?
5:54:03
